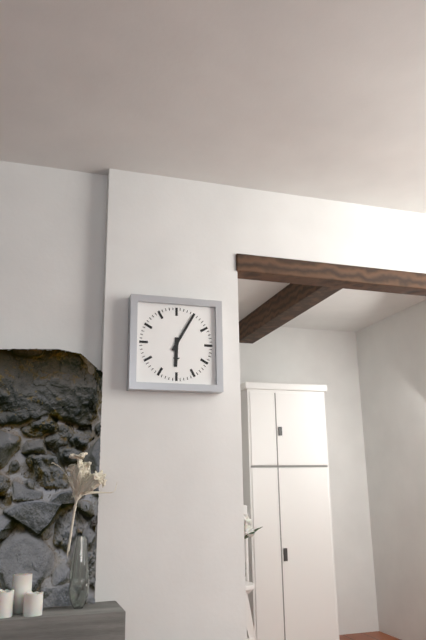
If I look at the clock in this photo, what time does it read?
6:05
